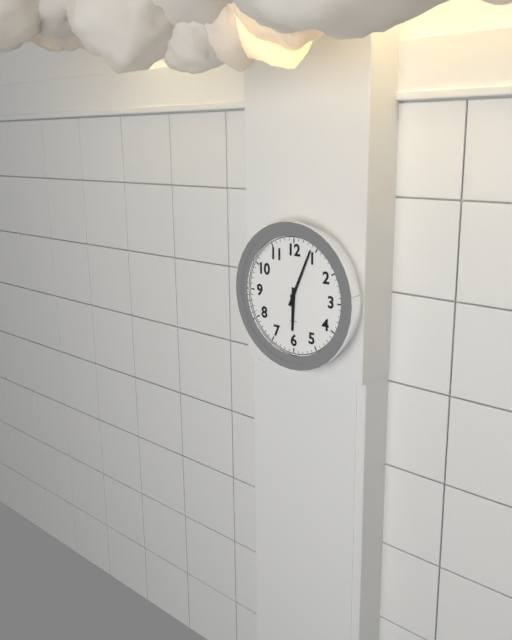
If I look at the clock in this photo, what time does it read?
6:04
